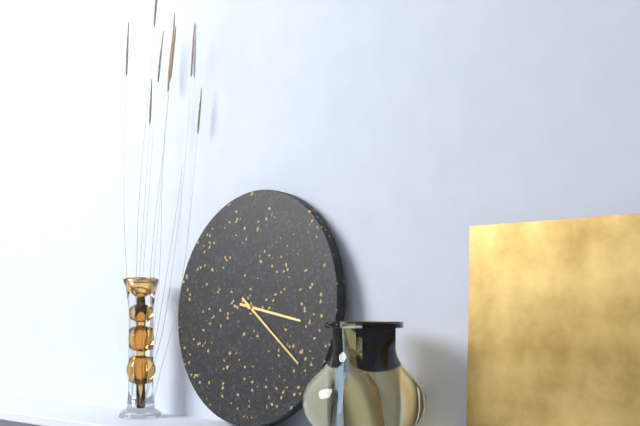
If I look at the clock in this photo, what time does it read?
3:21
